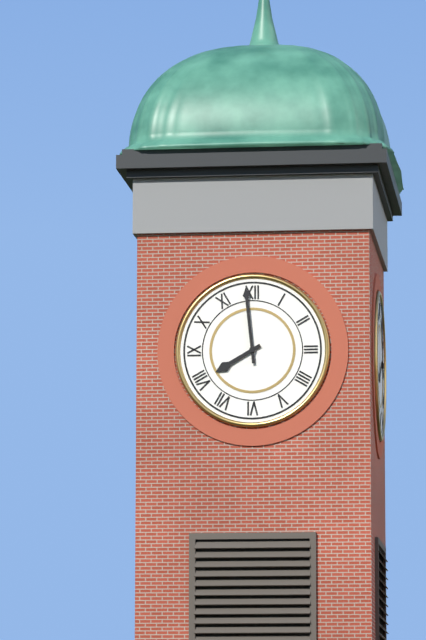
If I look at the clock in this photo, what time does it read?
7:59
